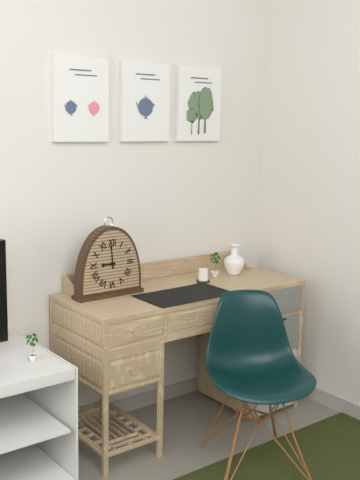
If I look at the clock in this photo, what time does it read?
8:59
